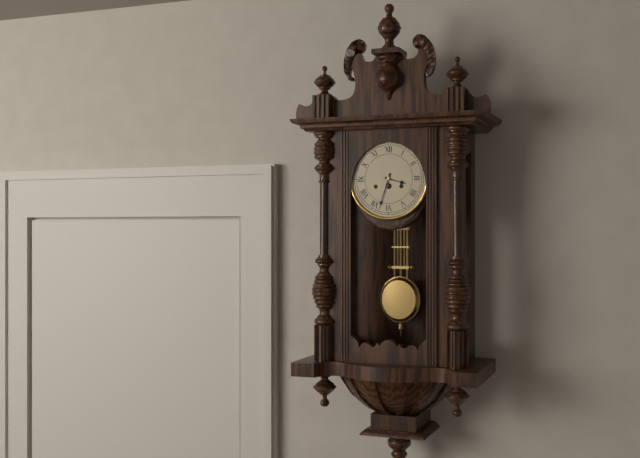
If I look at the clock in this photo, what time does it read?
3:33
